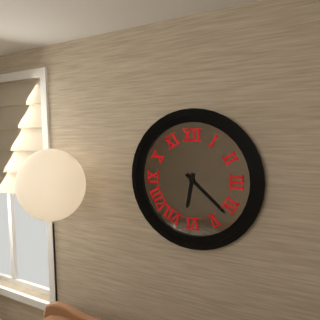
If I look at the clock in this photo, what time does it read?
6:22
